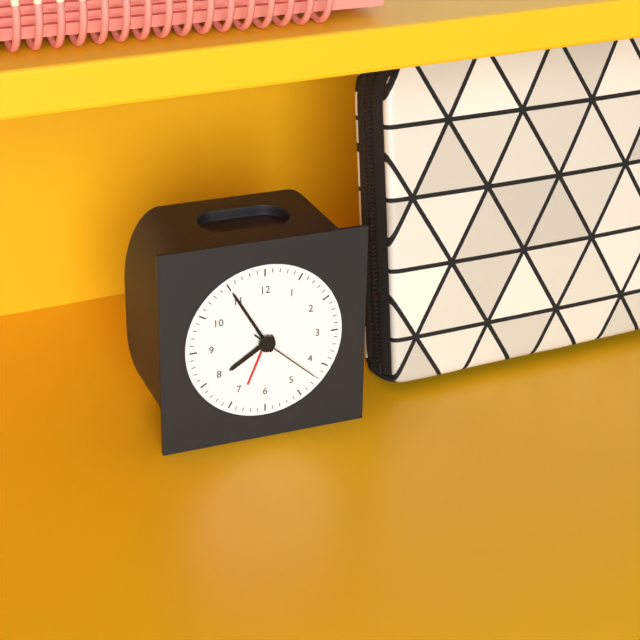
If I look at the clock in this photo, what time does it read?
7:55:22
